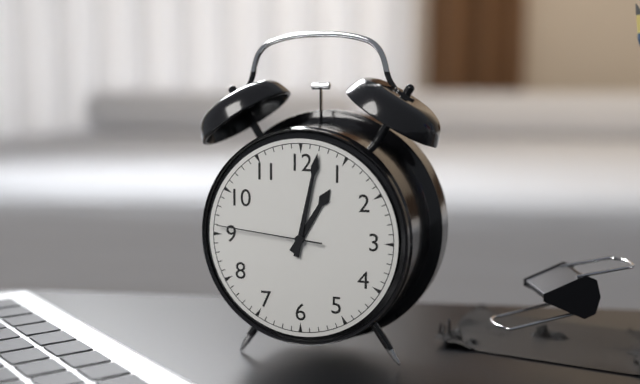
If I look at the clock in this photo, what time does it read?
1:02:46
